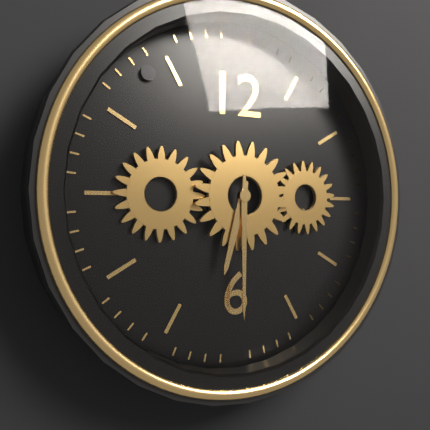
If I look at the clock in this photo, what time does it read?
6:30
